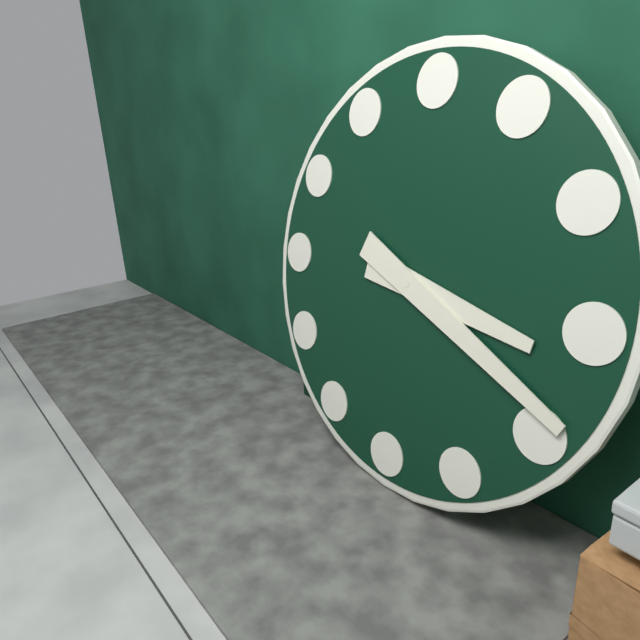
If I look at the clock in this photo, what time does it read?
3:19
